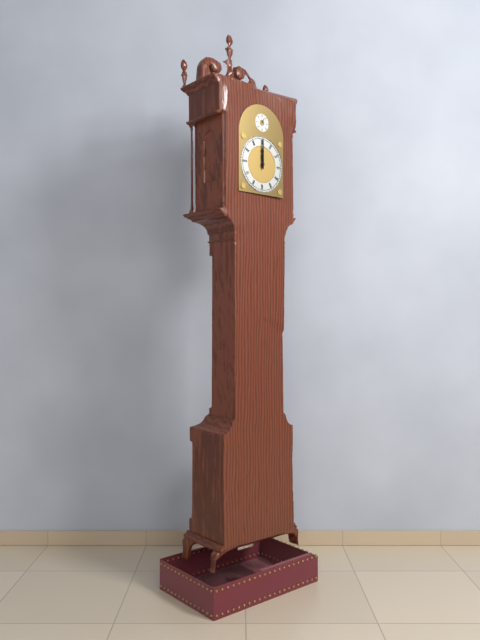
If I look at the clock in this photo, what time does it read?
12:00
